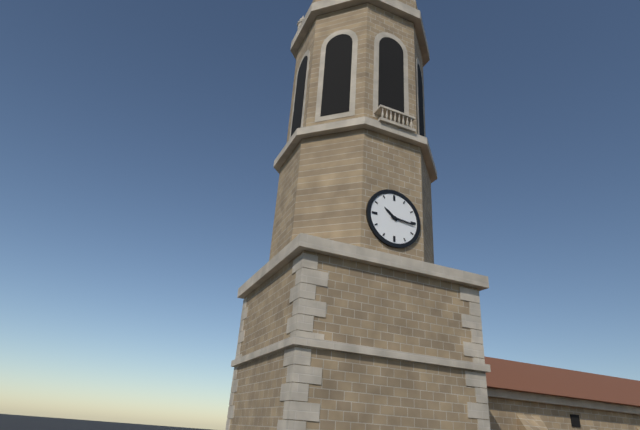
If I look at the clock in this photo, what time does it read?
10:16
